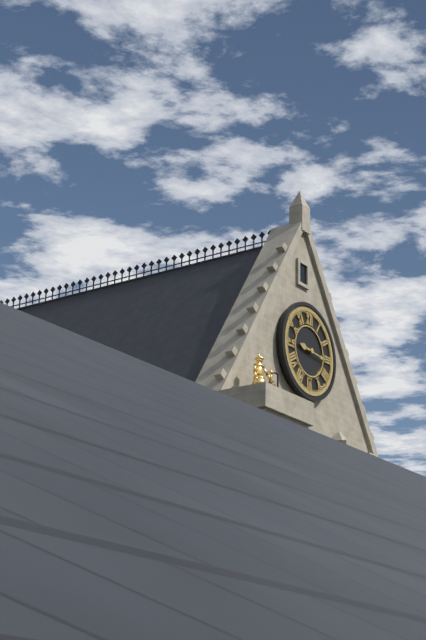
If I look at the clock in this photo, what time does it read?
9:16
